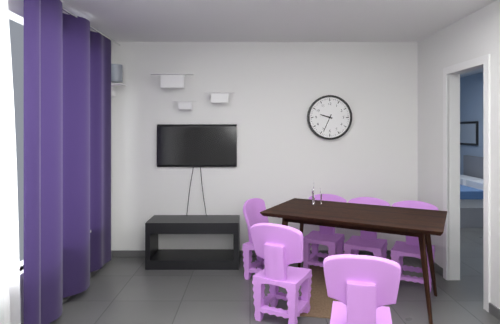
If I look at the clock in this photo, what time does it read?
9:34
